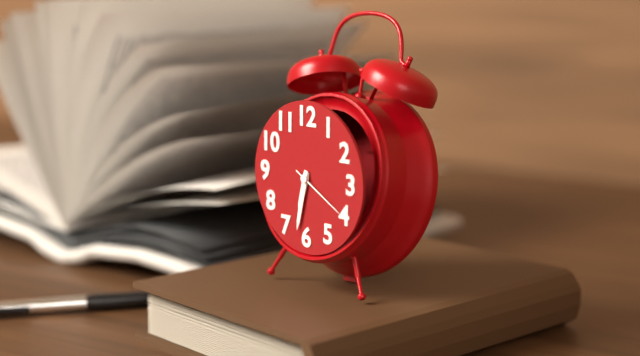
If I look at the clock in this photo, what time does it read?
6:32:20
